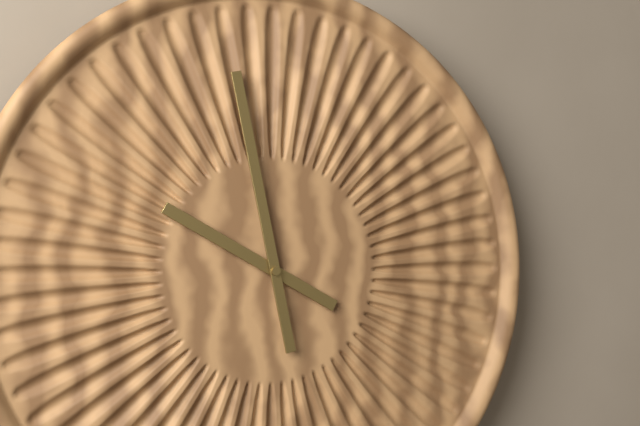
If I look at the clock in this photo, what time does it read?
9:58
